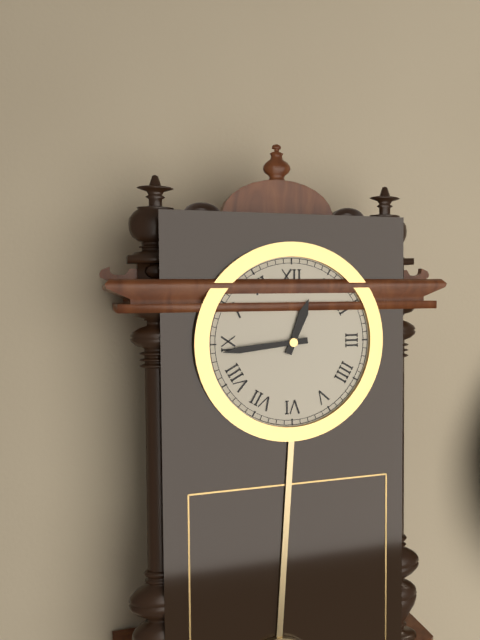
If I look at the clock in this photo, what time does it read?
12:44
